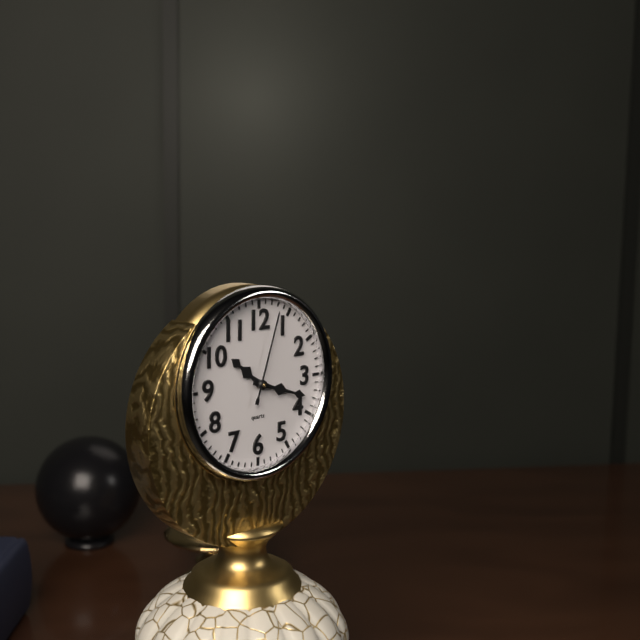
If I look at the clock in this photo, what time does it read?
10:18:03
